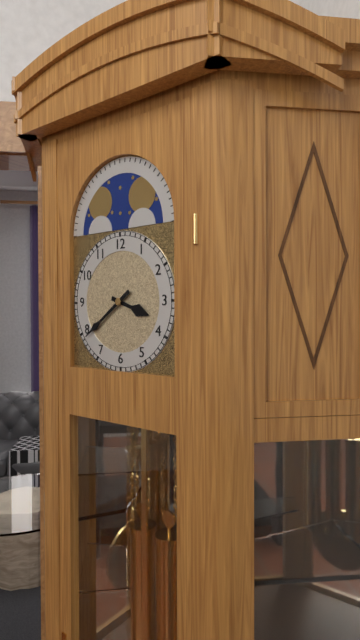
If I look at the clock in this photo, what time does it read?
3:39
